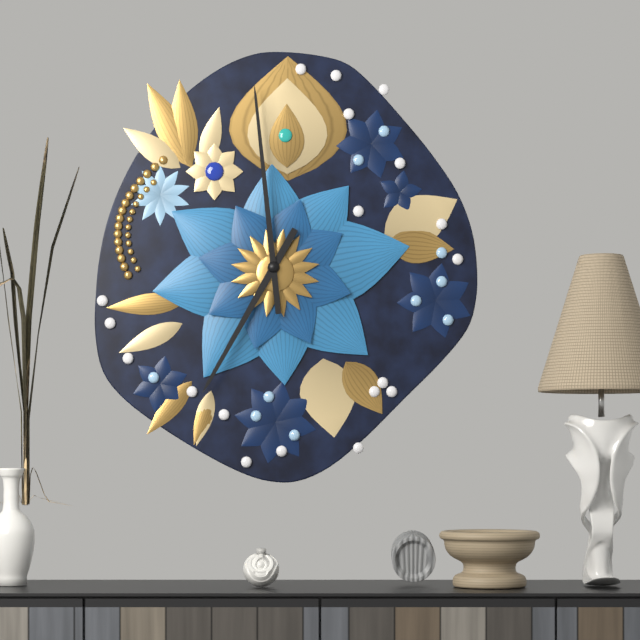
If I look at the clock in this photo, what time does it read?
6:59
